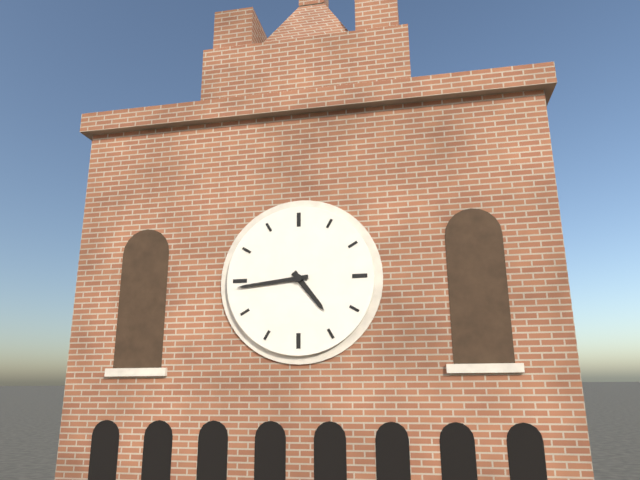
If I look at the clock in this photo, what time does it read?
4:44
